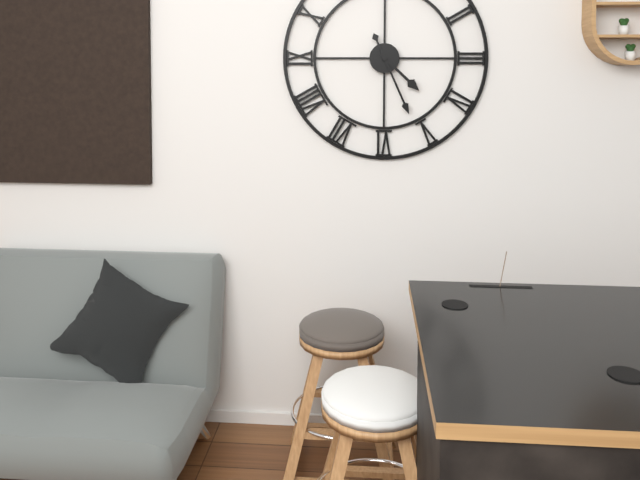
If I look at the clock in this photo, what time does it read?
4:26
